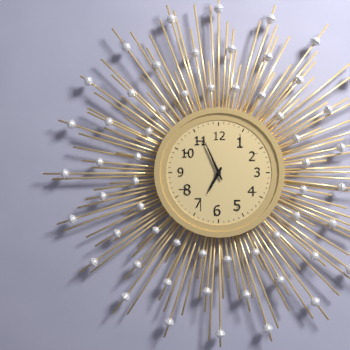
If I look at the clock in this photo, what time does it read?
6:56
